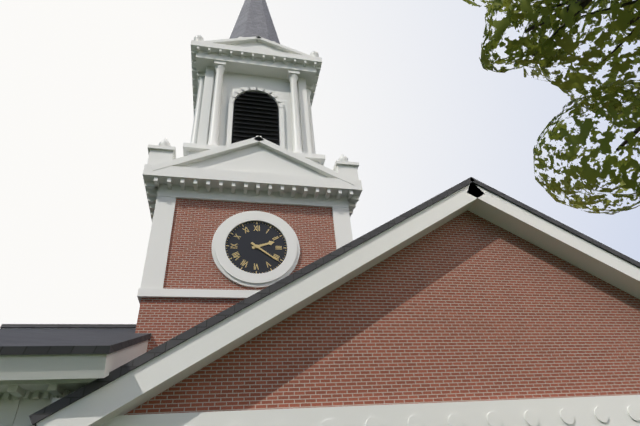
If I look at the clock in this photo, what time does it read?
2:21
